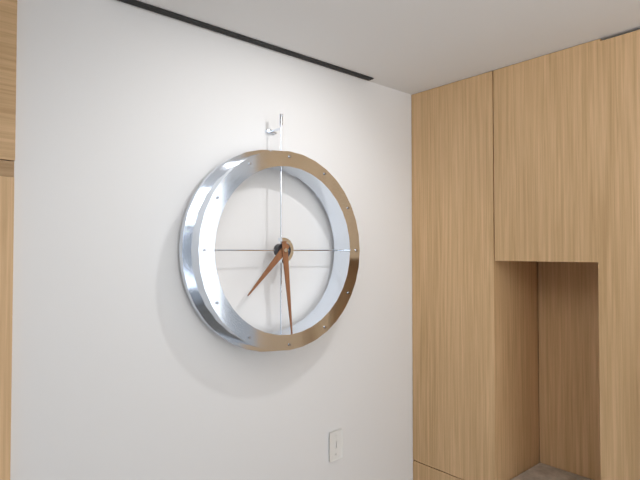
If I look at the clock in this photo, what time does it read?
7:29
